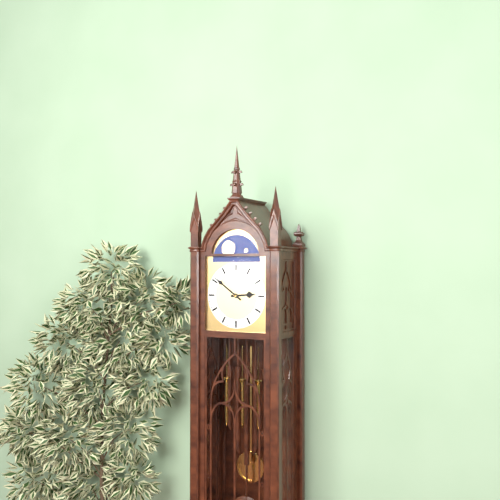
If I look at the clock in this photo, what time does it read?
2:51
